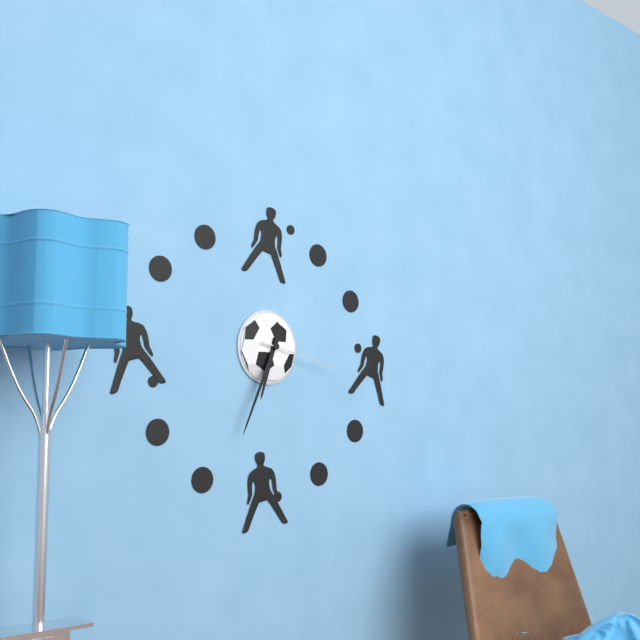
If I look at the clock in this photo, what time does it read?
6:34:17
